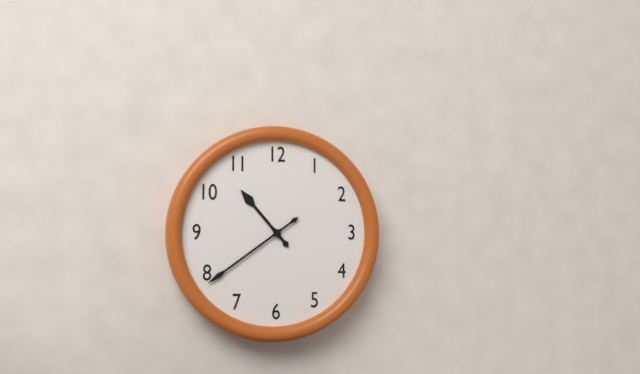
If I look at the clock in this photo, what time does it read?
10:39
